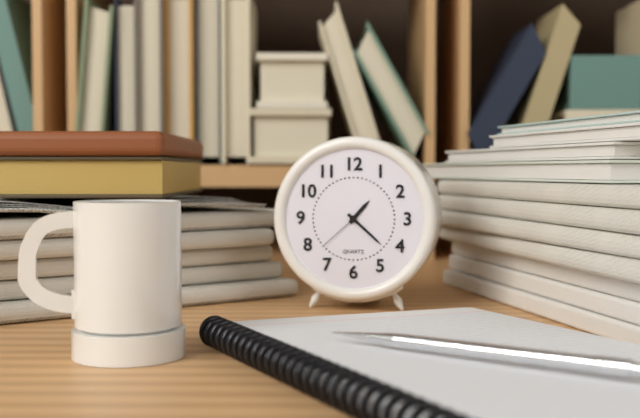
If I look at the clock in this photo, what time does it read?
1:22:38
